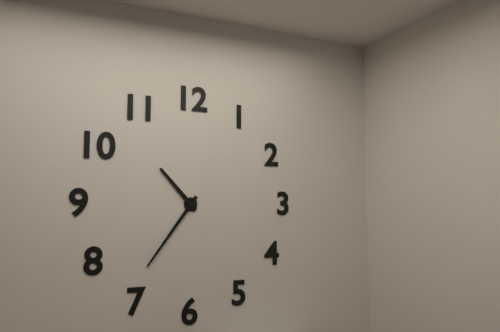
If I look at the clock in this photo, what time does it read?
10:36
